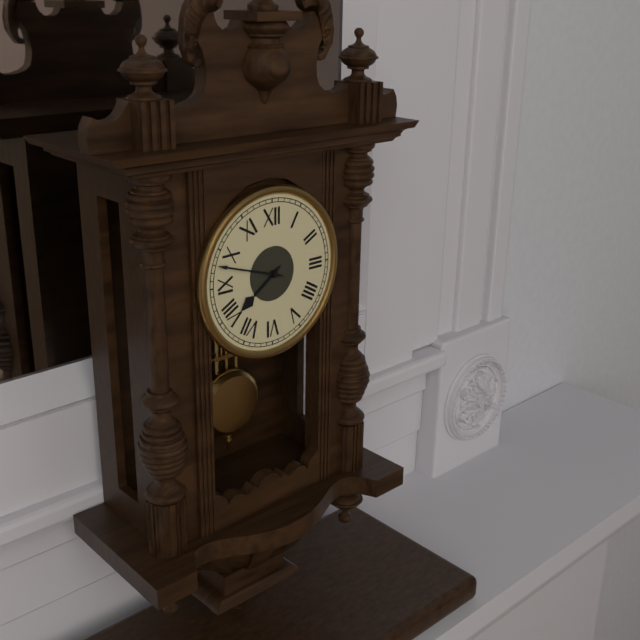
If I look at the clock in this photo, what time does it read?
7:48
